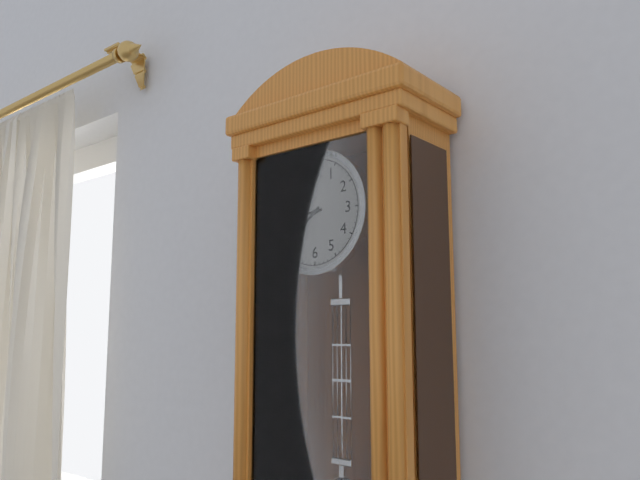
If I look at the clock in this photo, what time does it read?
7:44
